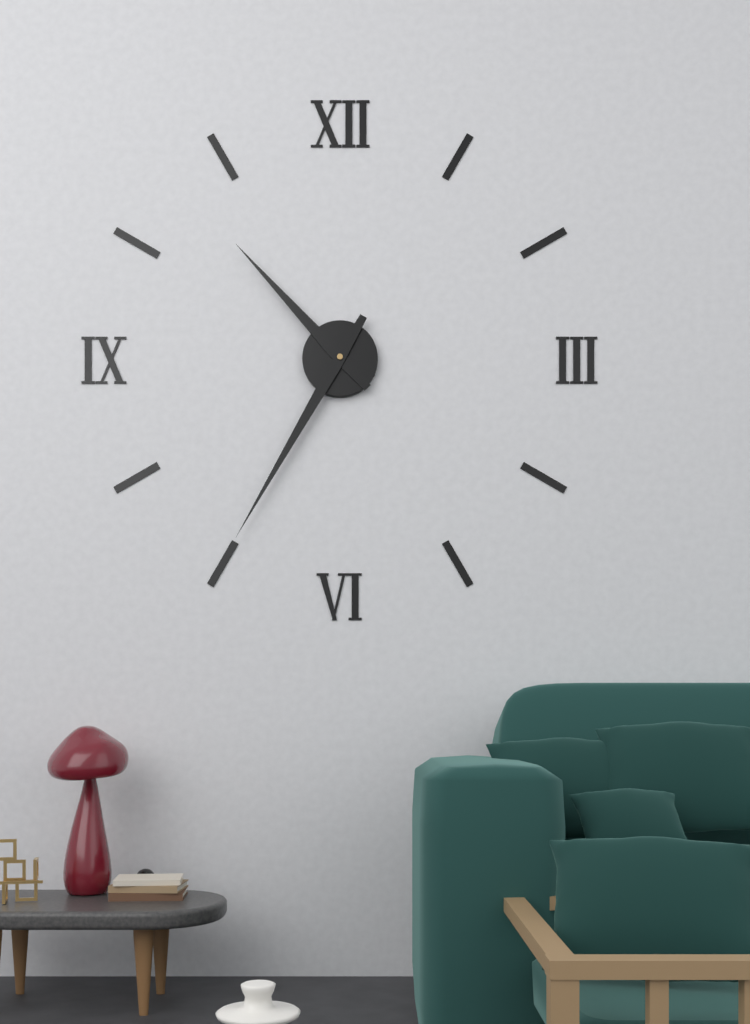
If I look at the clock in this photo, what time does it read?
10:35
